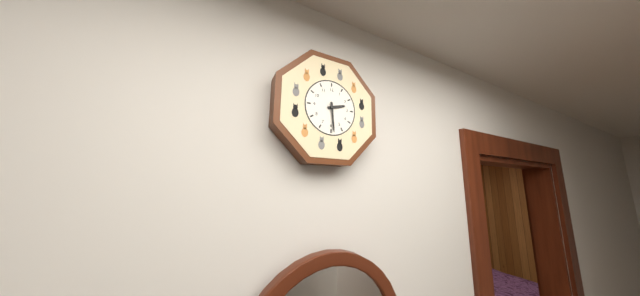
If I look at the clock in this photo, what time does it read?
2:29
